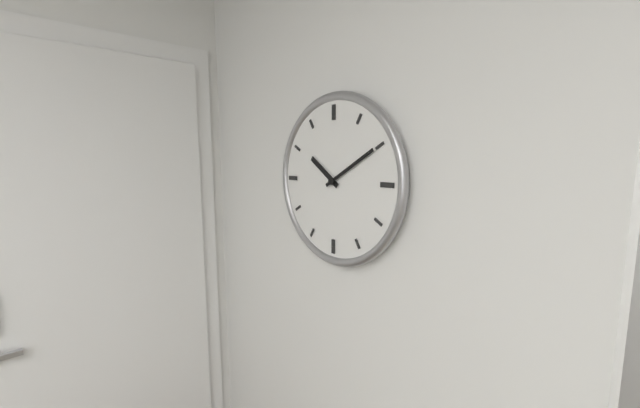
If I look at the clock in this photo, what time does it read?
10:10
